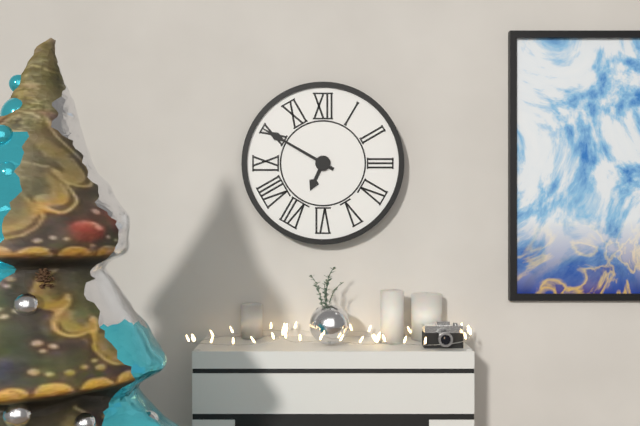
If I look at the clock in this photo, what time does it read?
6:50
